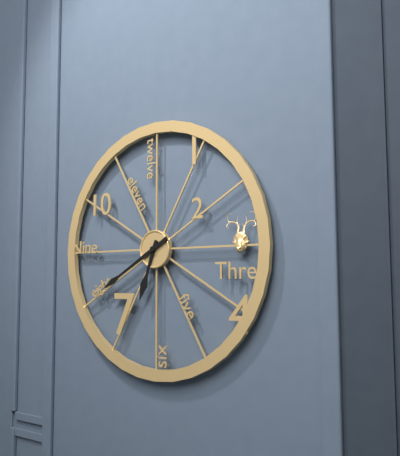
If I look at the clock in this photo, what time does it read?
6:40
